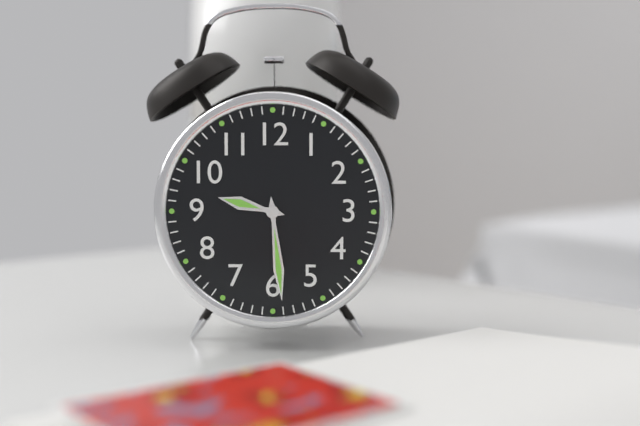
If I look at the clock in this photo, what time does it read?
9:29
